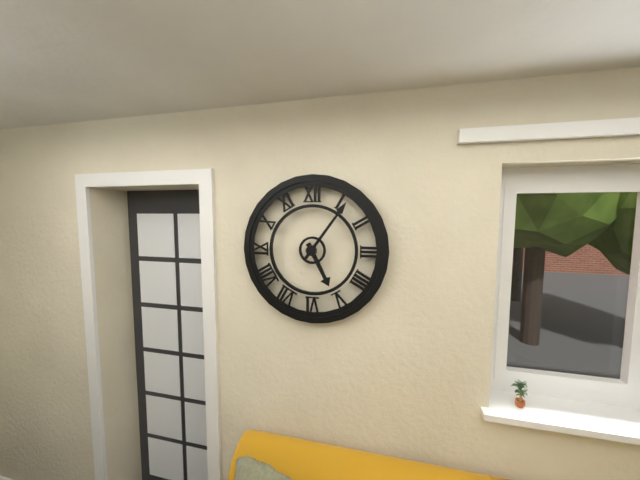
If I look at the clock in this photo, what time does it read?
5:06
